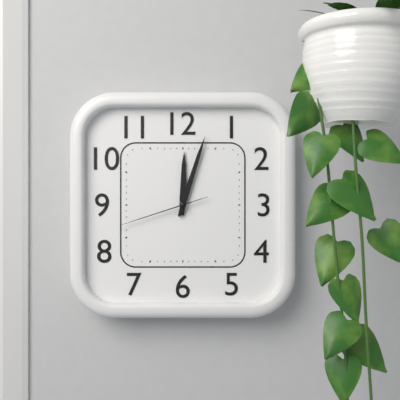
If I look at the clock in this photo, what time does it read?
12:03:42
